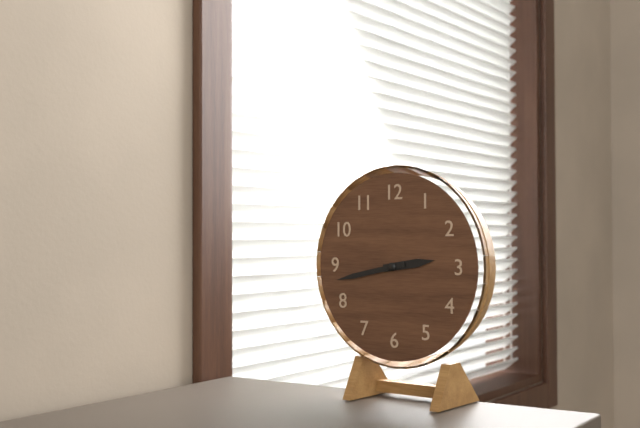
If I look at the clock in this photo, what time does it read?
2:43
